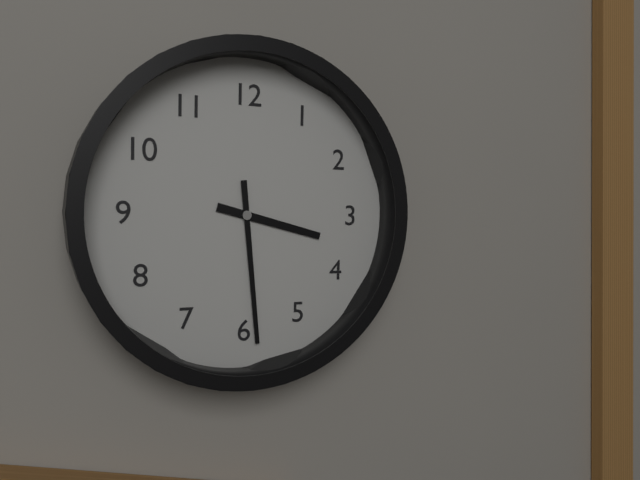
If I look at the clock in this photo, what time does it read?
3:29
